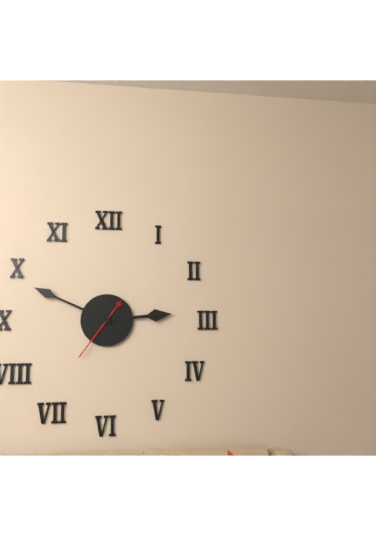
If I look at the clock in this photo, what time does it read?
2:49:36
